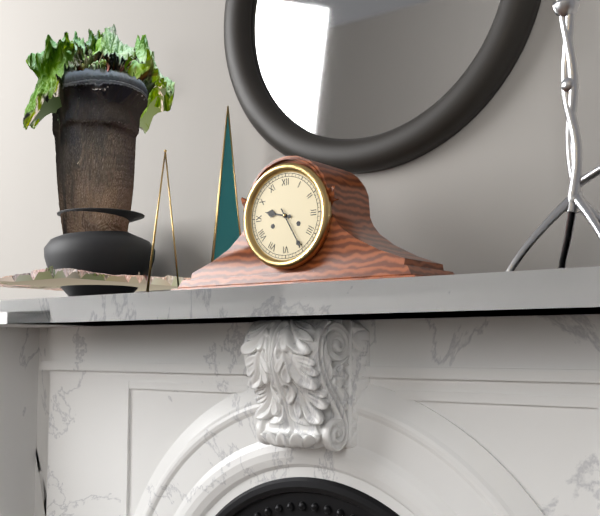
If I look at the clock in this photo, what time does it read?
9:25
